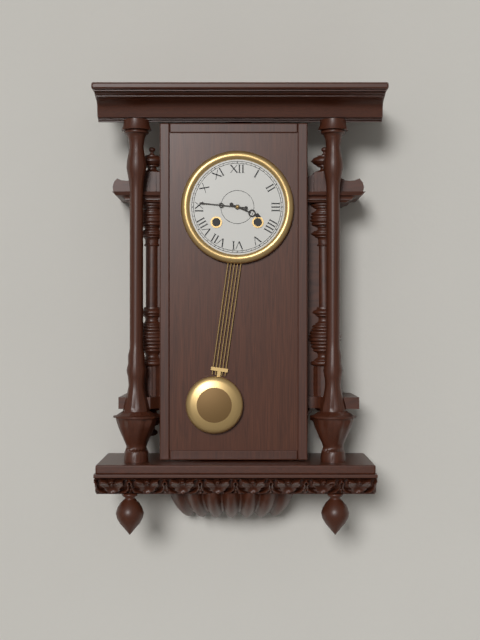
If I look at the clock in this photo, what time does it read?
3:46
